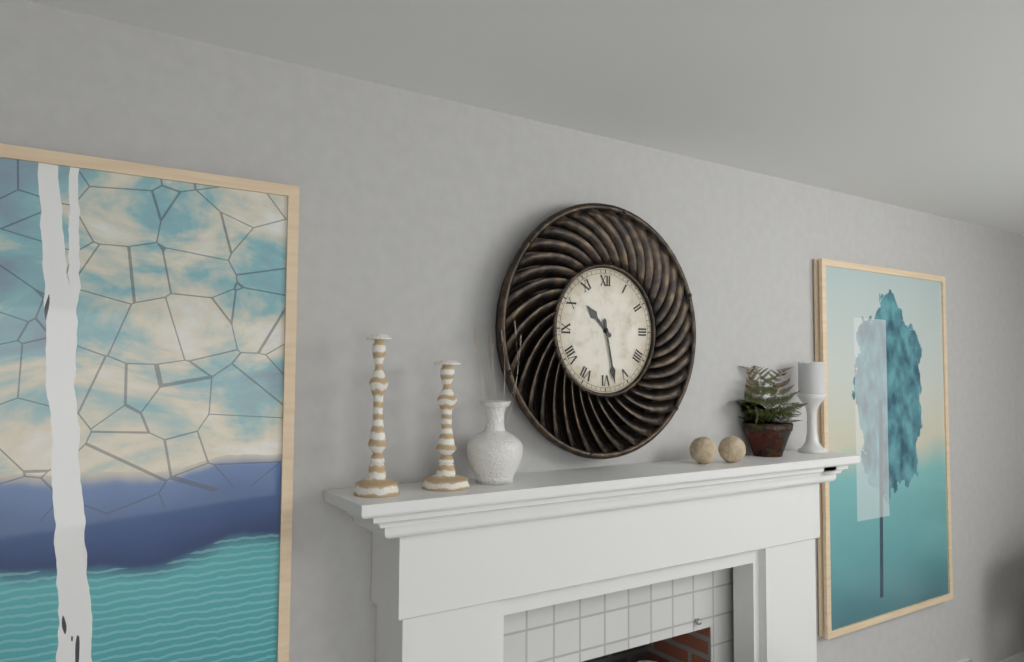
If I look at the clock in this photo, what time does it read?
10:28
